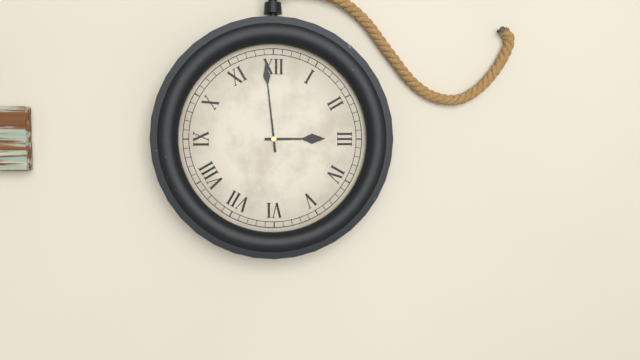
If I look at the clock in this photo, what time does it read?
2:59
